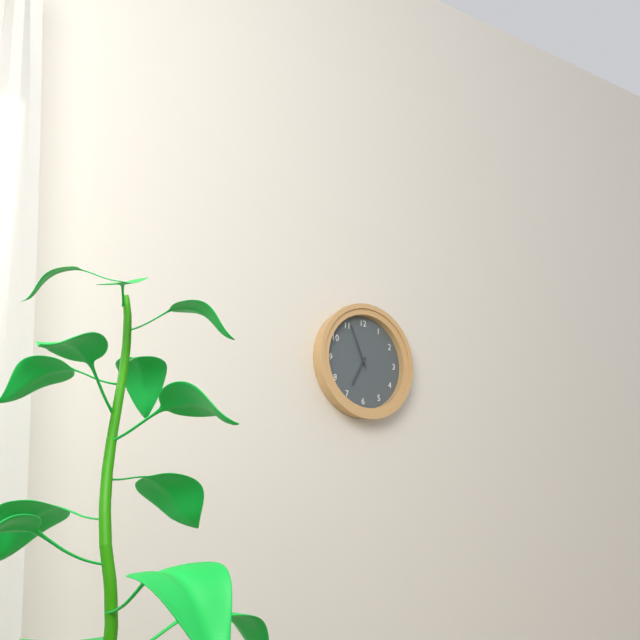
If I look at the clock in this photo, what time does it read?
6:56
